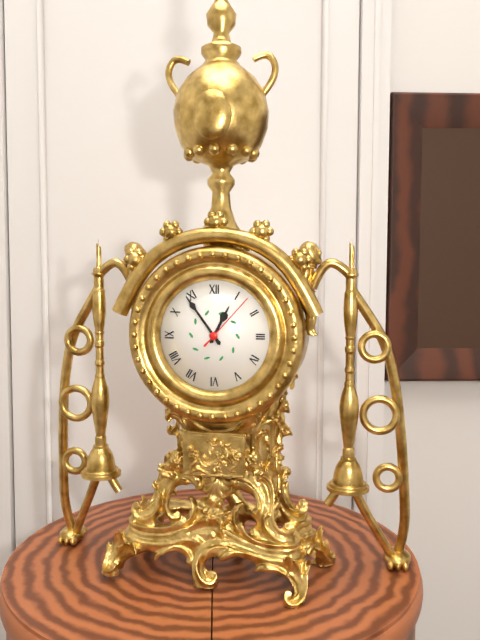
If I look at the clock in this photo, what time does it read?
12:54:07
